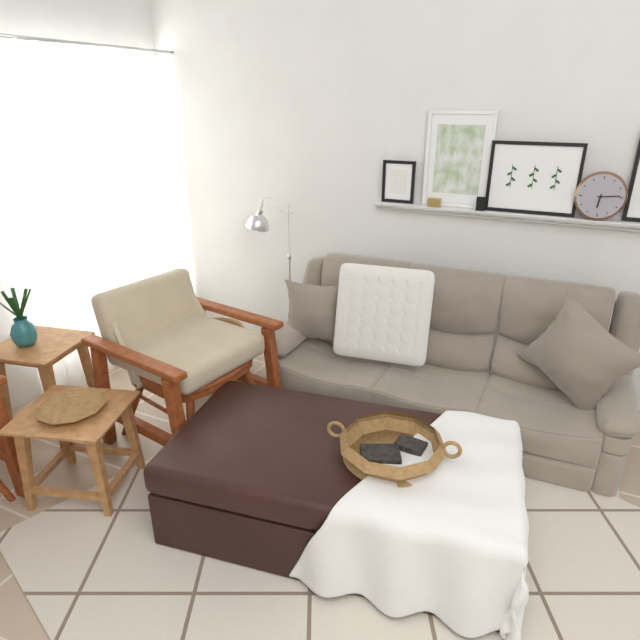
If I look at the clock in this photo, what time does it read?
6:14
